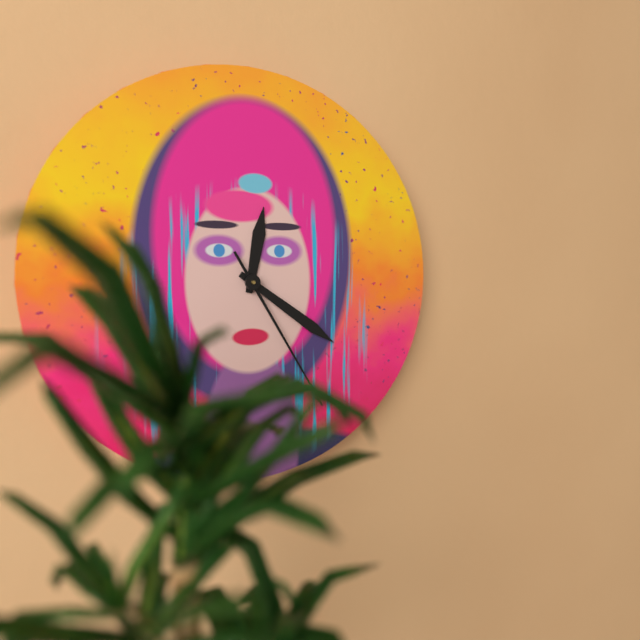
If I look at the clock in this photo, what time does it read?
12:21:25
